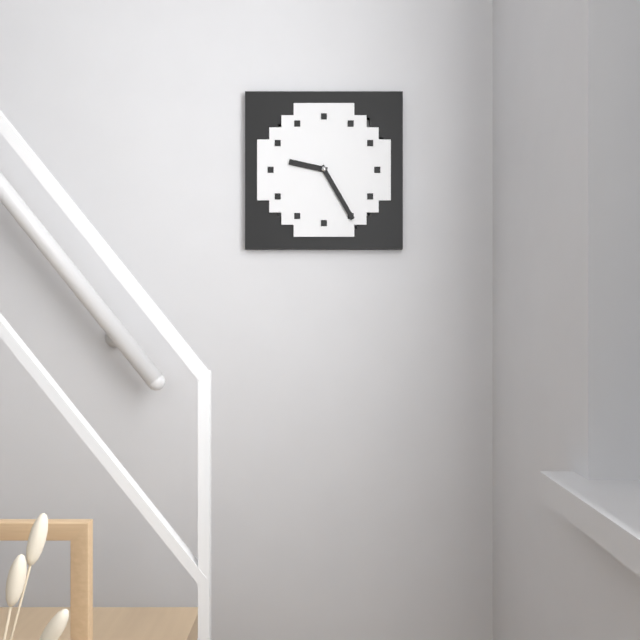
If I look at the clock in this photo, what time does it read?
9:25
